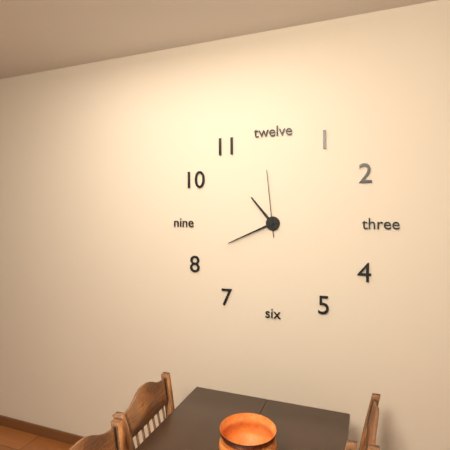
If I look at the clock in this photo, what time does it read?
10:41:59
